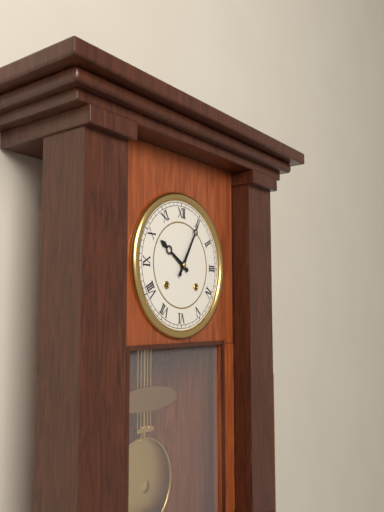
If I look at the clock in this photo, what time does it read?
10:05
